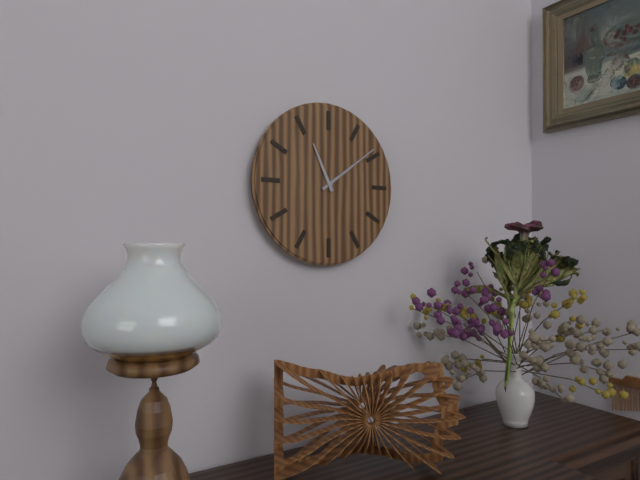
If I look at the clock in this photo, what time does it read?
11:09
